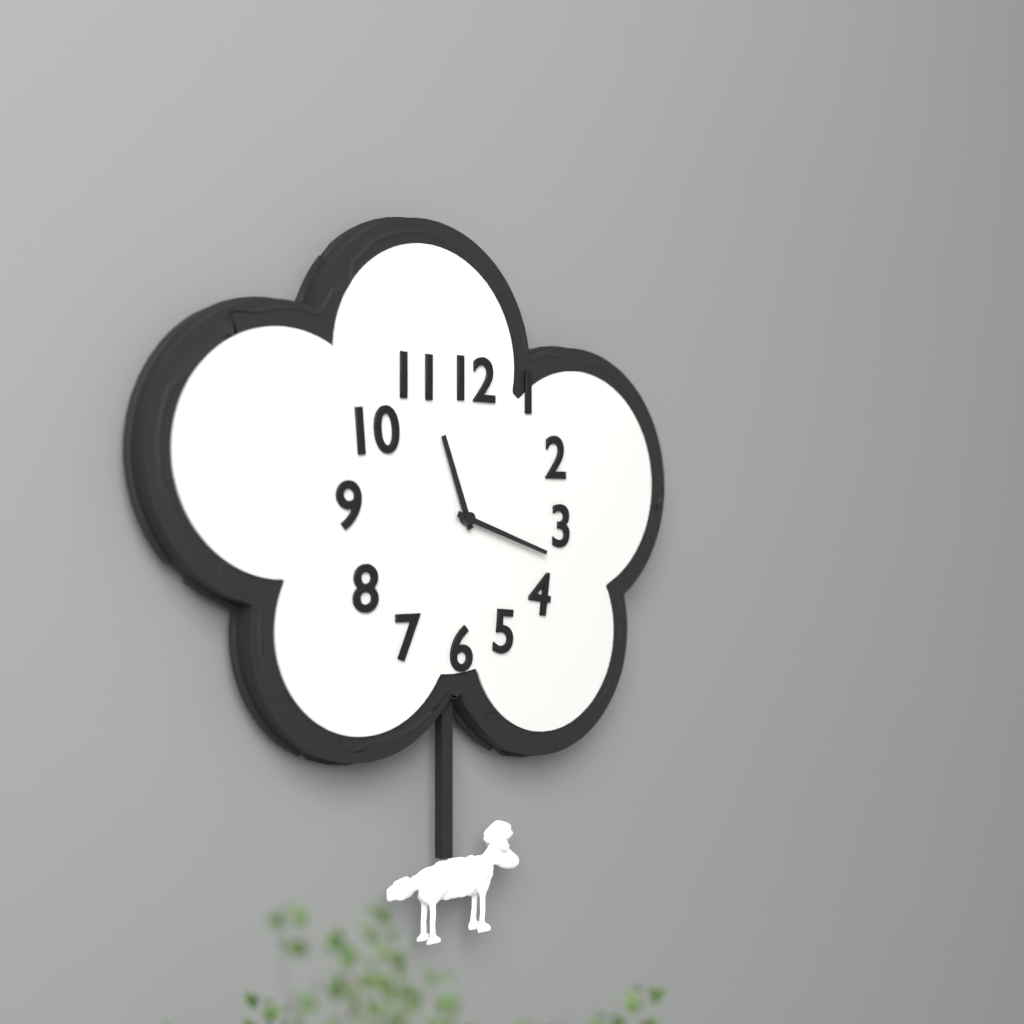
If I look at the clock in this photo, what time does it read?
11:18
